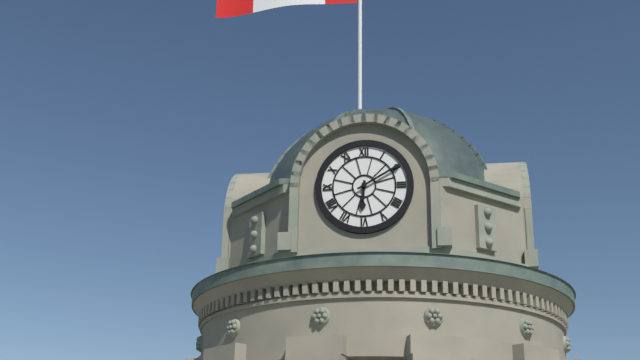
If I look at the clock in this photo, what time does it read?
6:10
